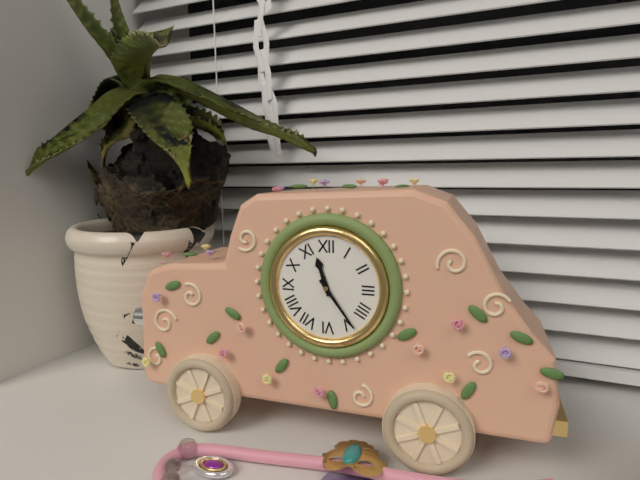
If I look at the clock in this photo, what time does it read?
11:24
